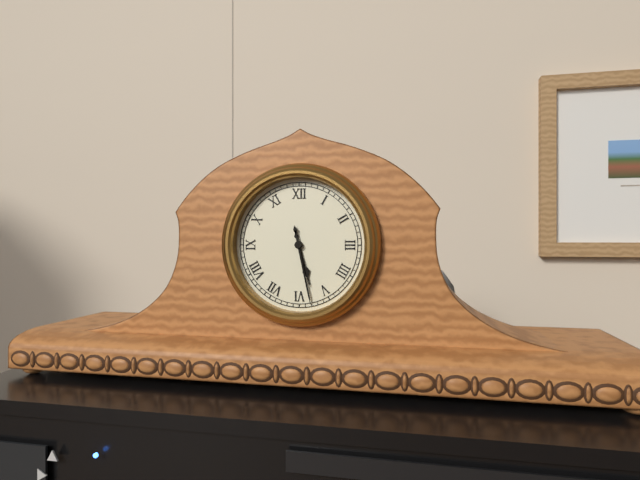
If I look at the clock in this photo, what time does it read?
5:28
